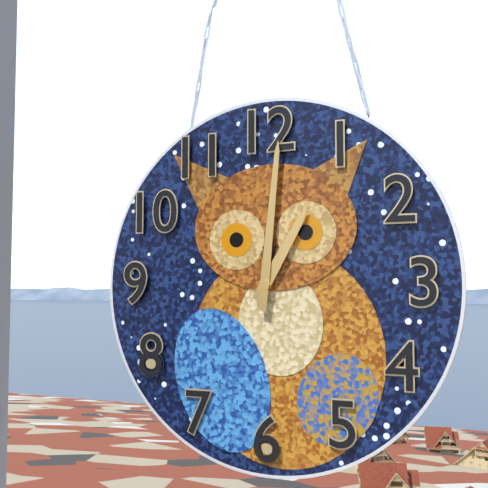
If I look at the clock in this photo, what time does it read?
1:01
